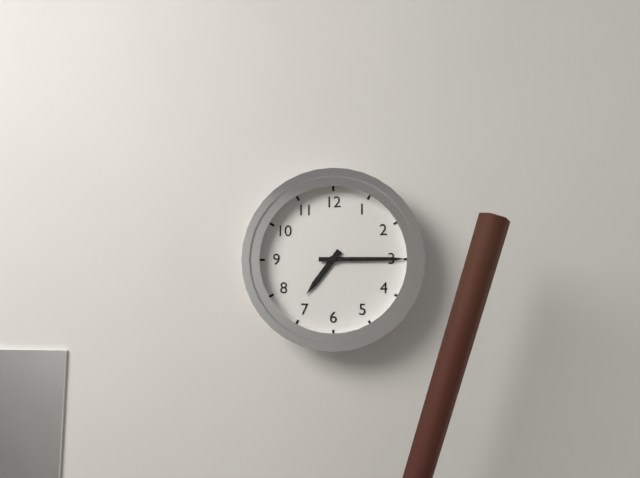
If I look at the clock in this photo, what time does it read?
7:15
